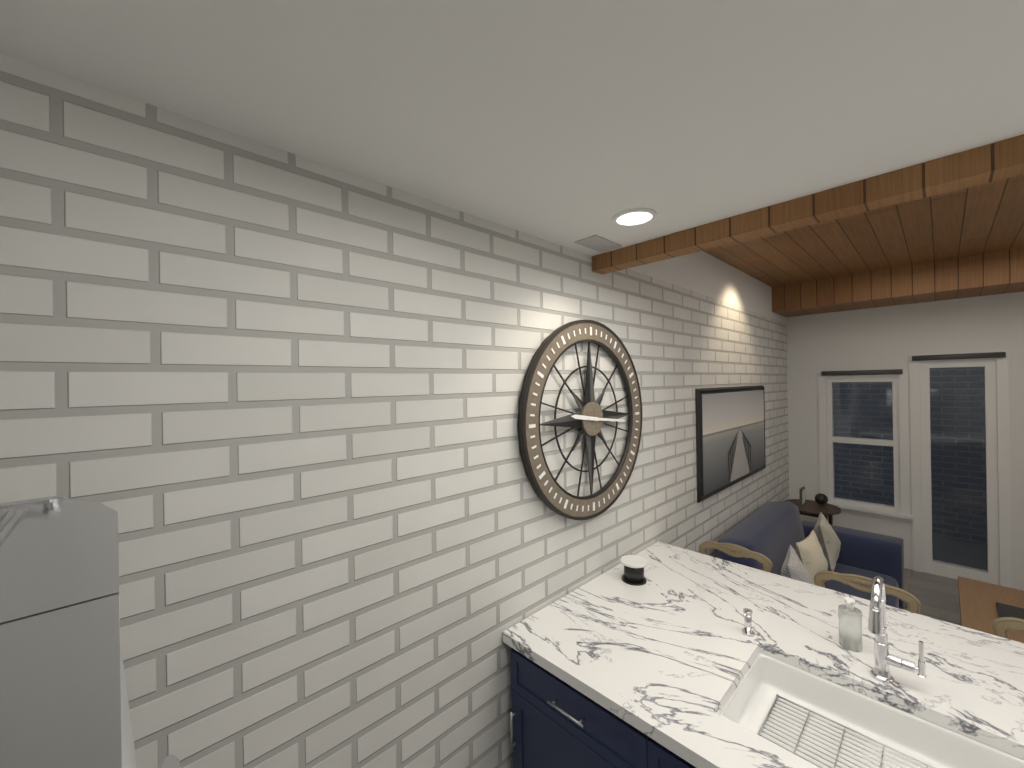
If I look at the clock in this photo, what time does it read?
9:16
